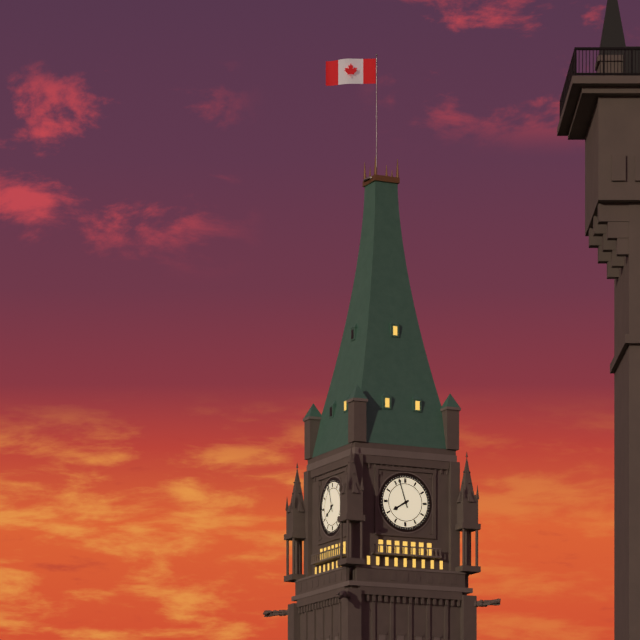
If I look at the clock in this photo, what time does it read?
7:57
